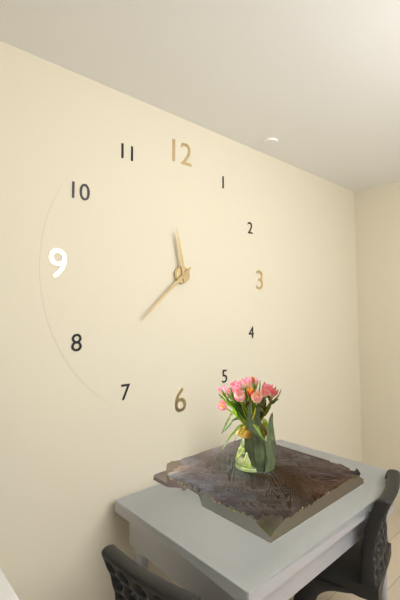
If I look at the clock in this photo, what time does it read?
11:38
